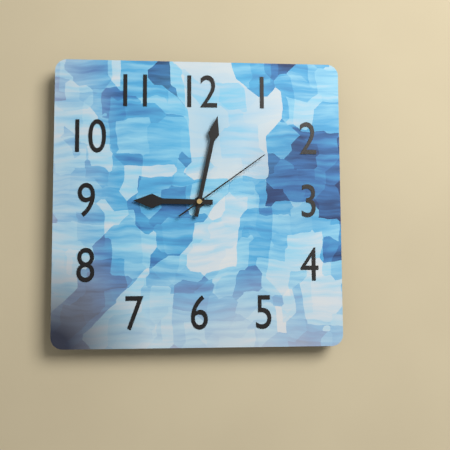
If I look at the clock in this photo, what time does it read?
9:02:09
